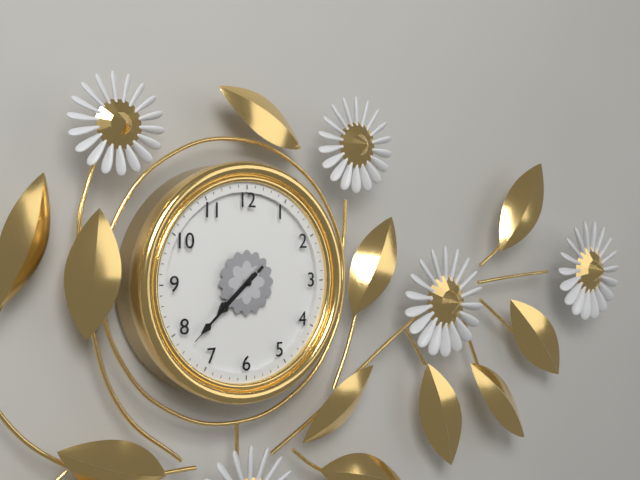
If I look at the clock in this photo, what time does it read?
7:38:38
